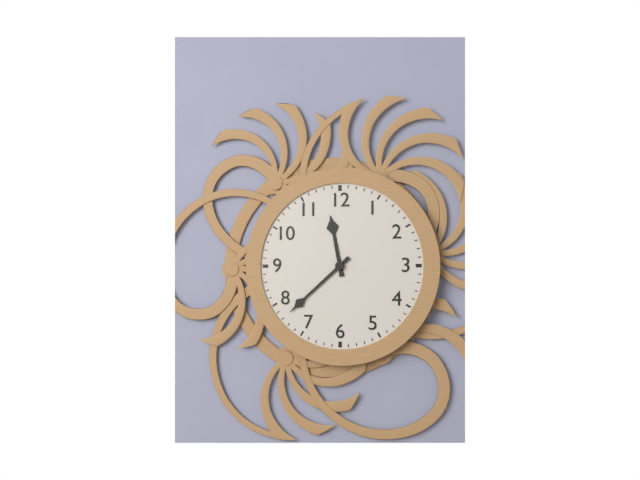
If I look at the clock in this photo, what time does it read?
11:38
